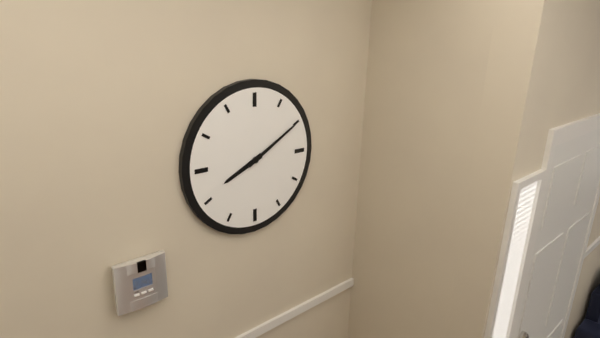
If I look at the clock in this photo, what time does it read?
8:10
